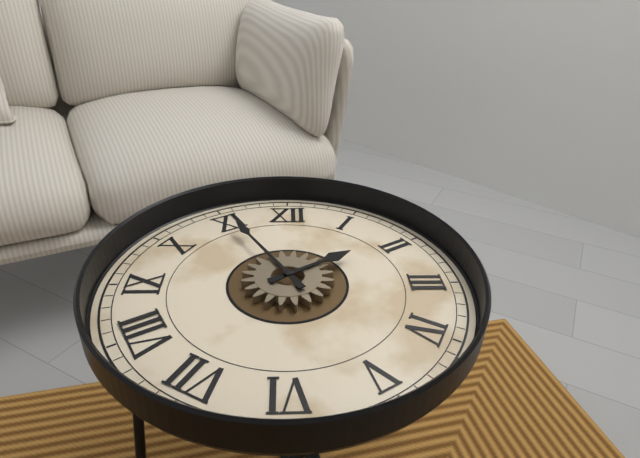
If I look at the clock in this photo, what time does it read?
1:55
